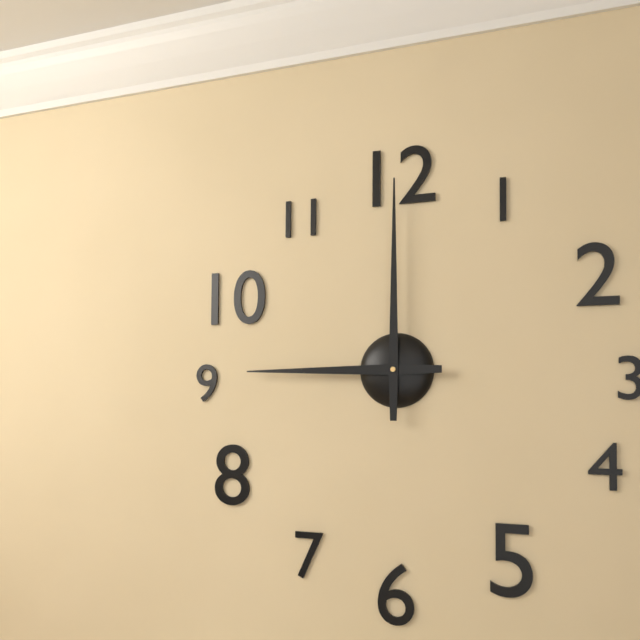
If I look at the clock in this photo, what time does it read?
9:00
